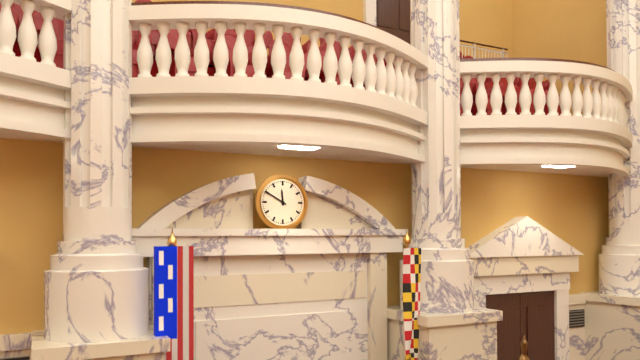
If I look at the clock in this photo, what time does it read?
11:50
